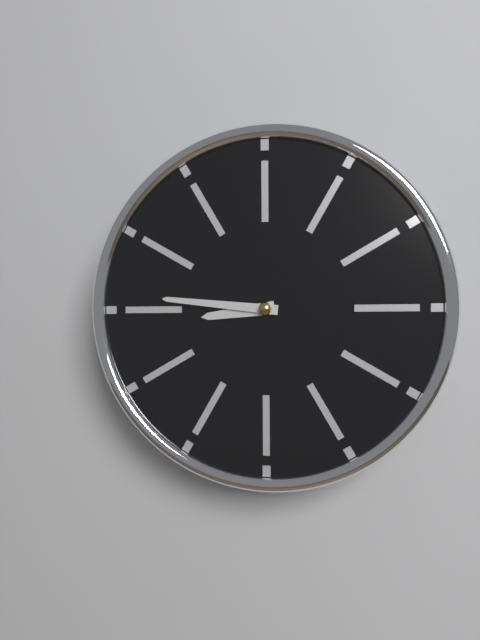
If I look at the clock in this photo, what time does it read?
8:46
